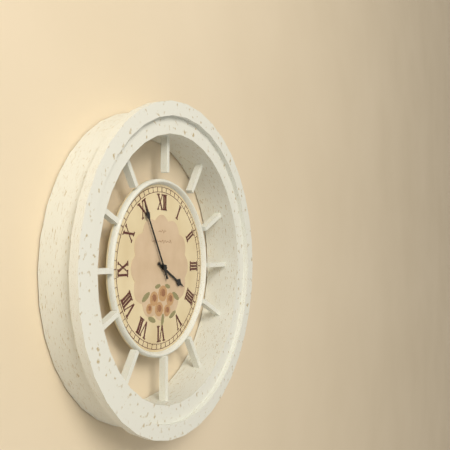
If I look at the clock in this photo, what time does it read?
3:55
